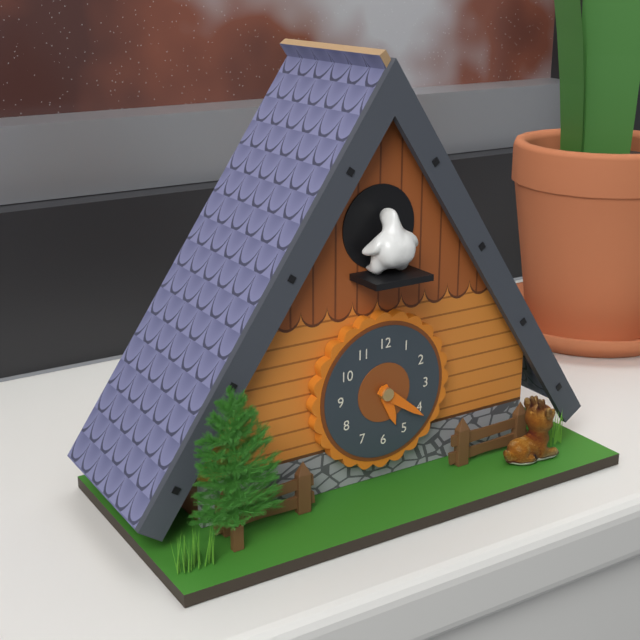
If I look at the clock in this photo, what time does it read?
5:21
